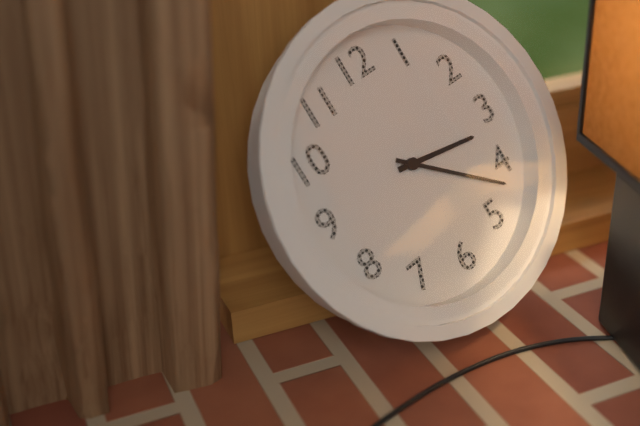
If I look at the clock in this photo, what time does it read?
3:22
